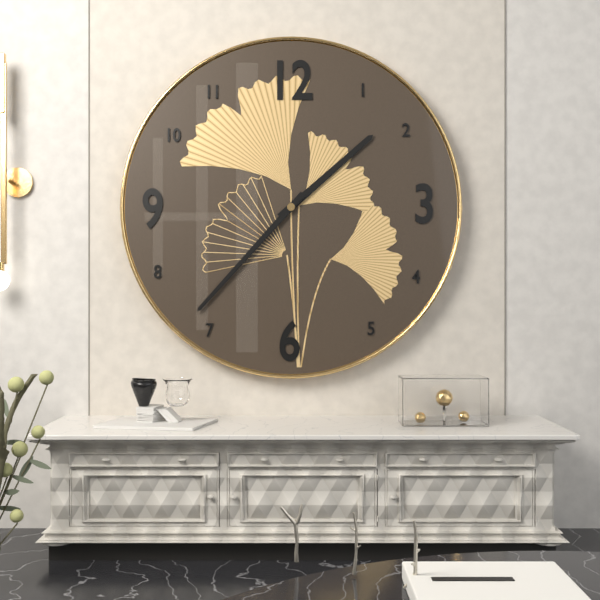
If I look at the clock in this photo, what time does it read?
1:37
